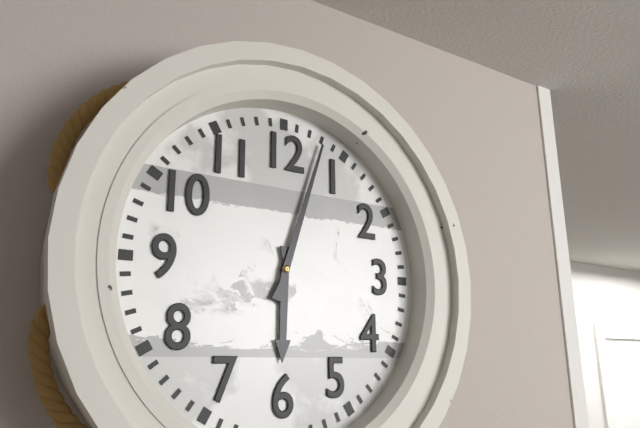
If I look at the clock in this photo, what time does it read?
6:03
